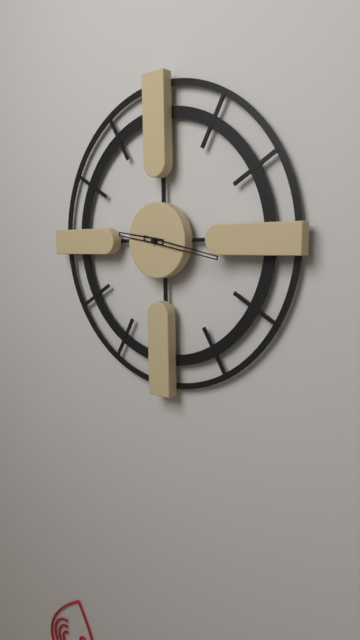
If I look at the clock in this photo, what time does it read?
9:17
